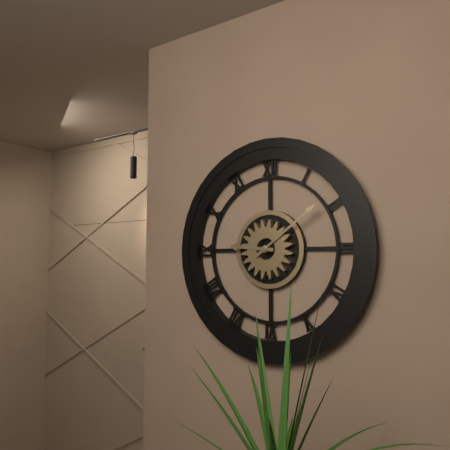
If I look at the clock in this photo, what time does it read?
9:09
